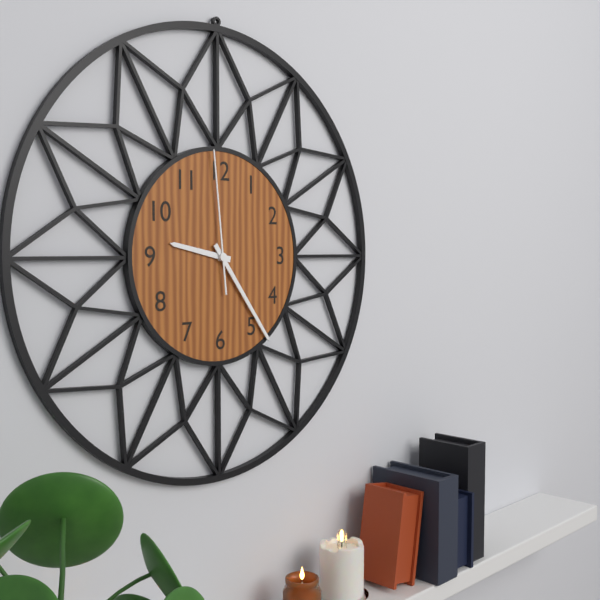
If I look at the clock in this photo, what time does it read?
9:24:59
